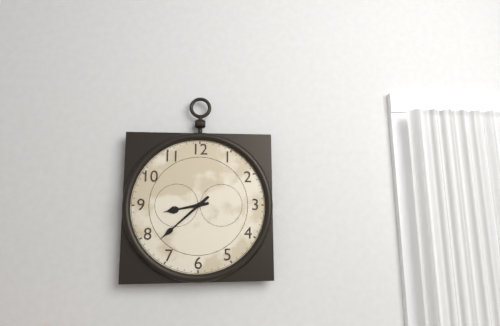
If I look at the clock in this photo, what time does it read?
8:38
